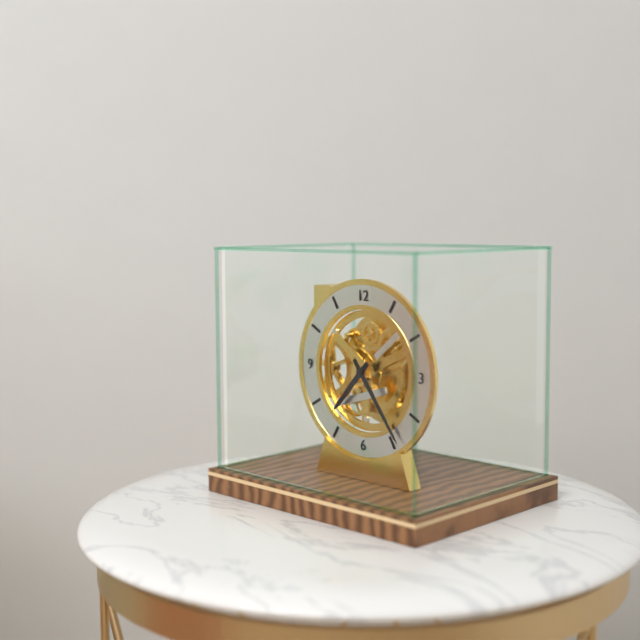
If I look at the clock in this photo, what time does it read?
7:24
